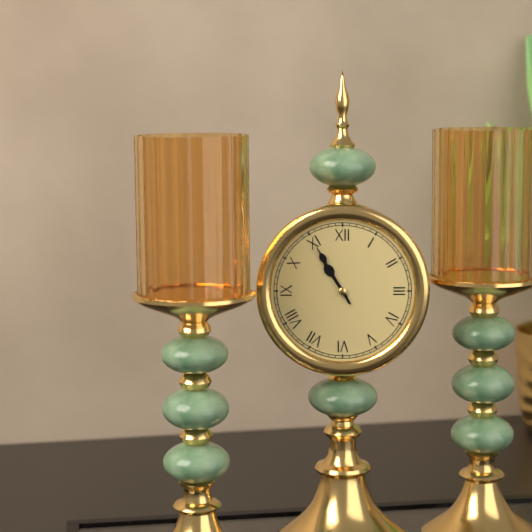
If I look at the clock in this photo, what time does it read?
10:55
